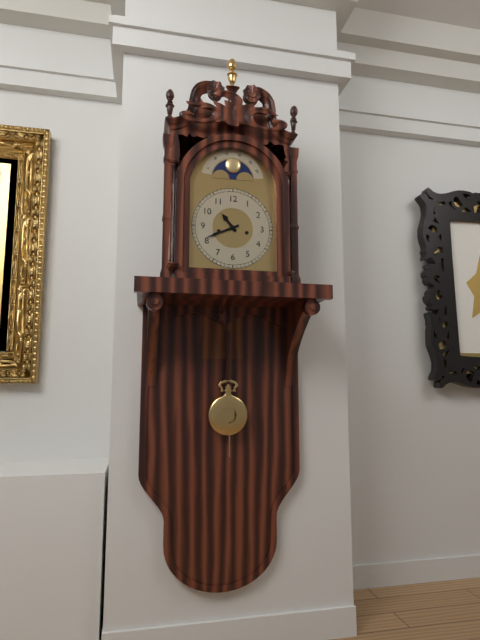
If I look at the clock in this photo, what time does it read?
10:41
